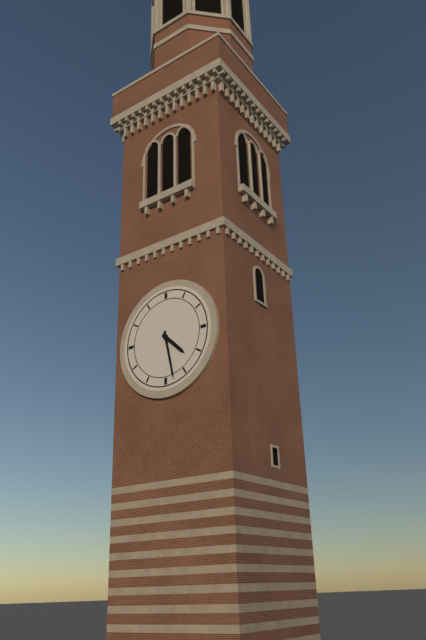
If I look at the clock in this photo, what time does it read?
4:28
